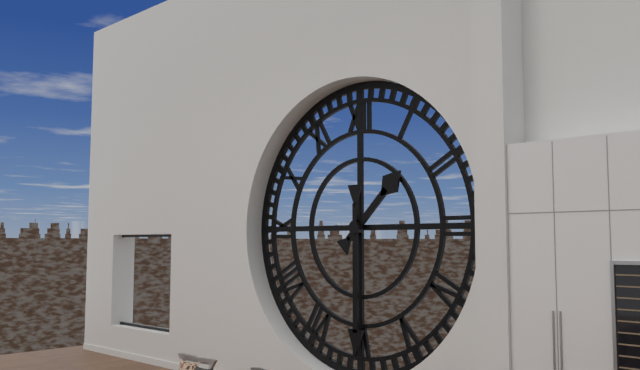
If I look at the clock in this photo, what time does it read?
1:30
